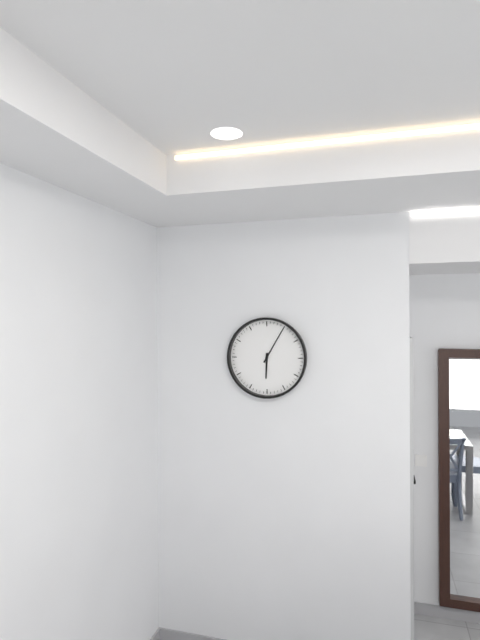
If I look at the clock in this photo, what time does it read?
6:05
